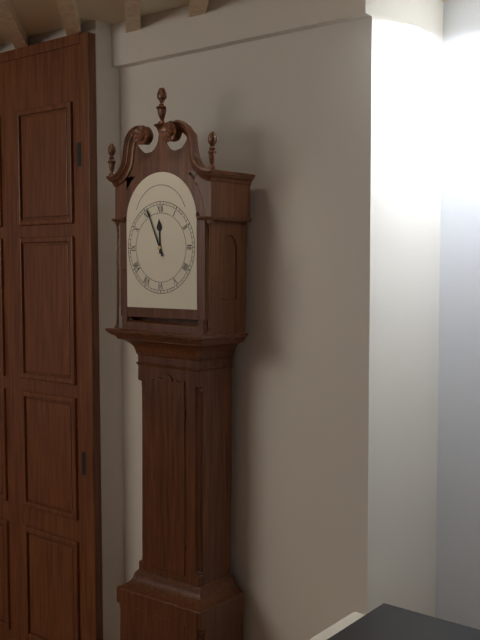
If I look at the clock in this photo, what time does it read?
11:56
